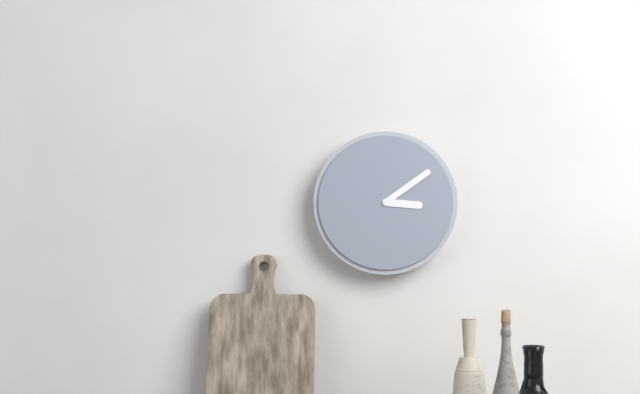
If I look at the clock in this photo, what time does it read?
3:09
